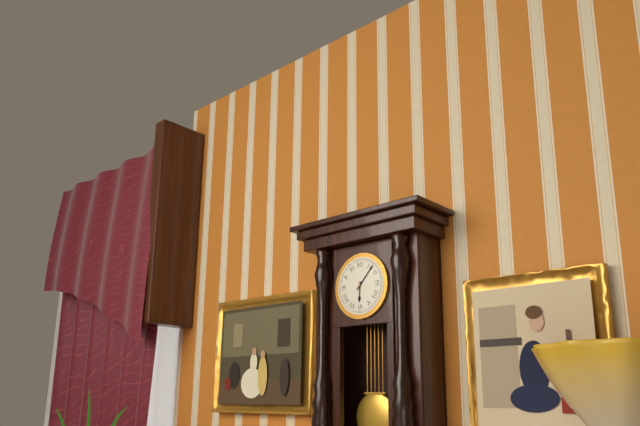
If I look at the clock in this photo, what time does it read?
6:07
